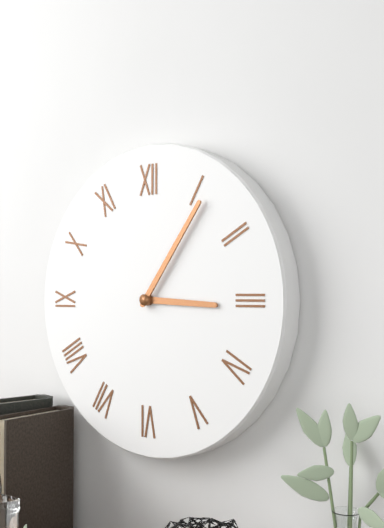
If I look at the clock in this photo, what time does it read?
3:06
